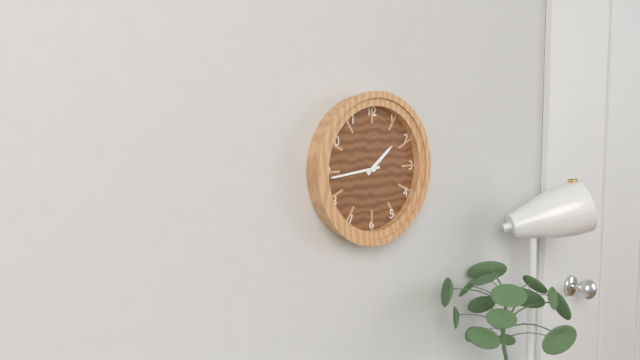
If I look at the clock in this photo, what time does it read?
1:44
